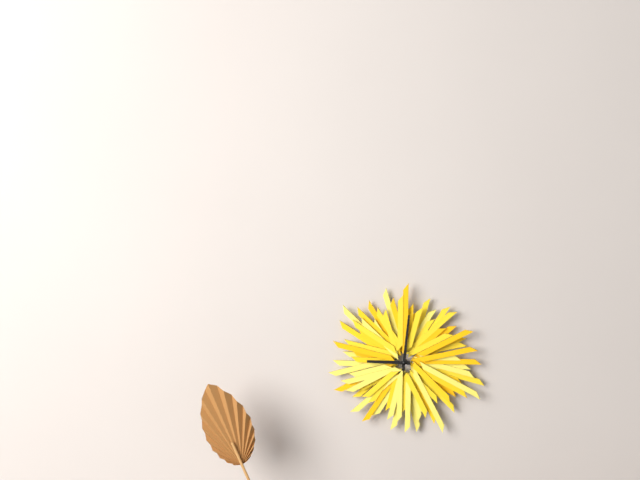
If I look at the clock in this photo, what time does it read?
9:01
